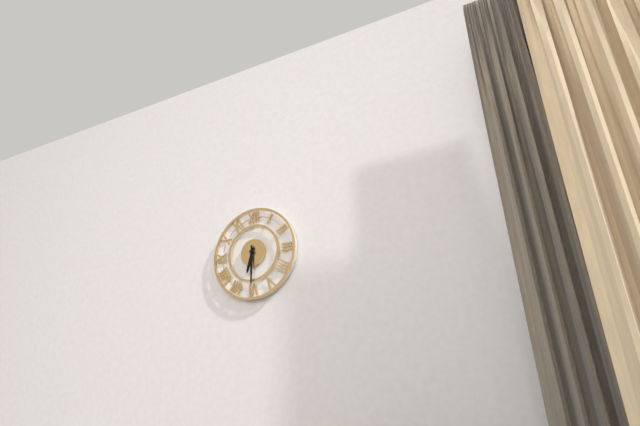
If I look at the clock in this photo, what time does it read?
6:30
